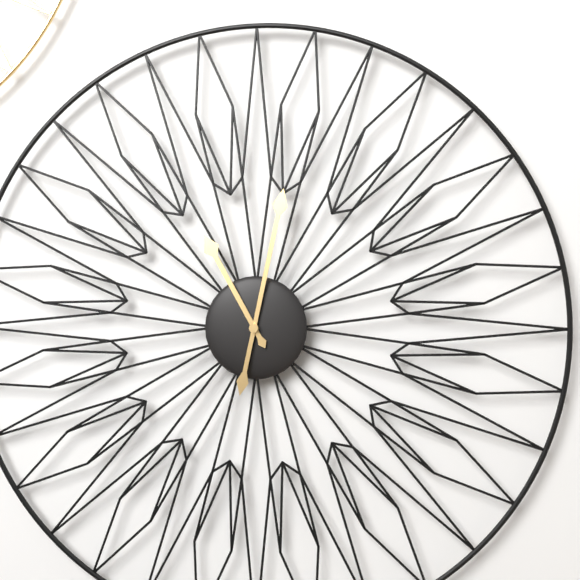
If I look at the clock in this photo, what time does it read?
11:02
